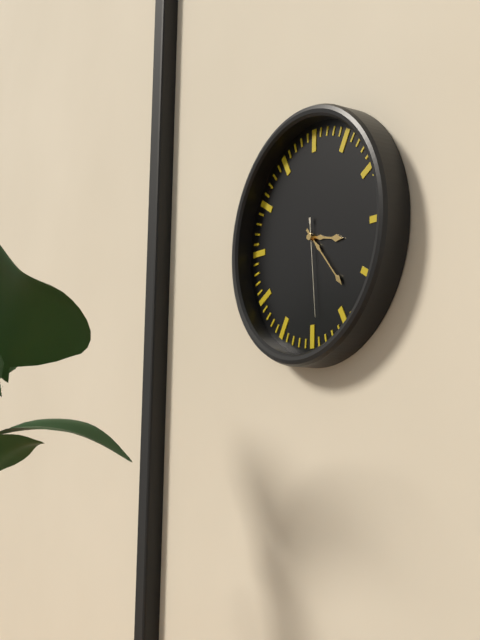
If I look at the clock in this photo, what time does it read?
3:23:29
